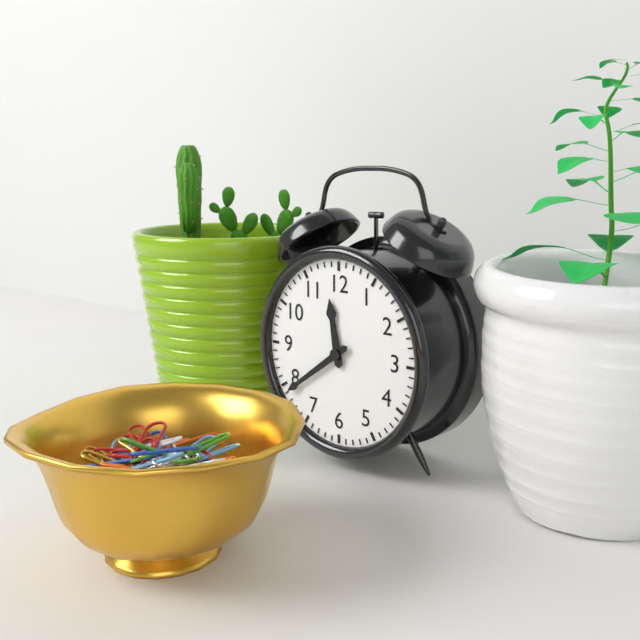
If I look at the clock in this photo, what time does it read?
11:39
